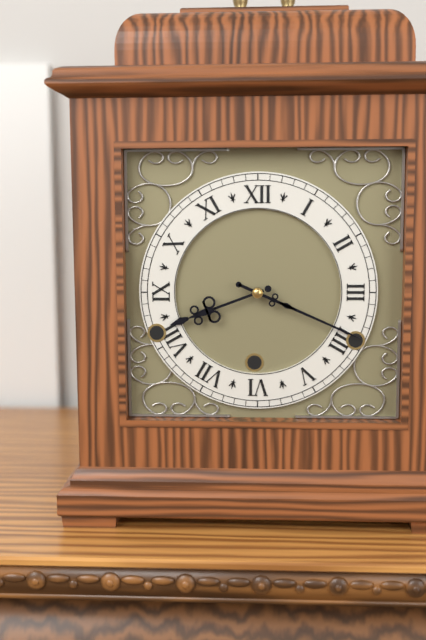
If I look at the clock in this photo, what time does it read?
8:19
